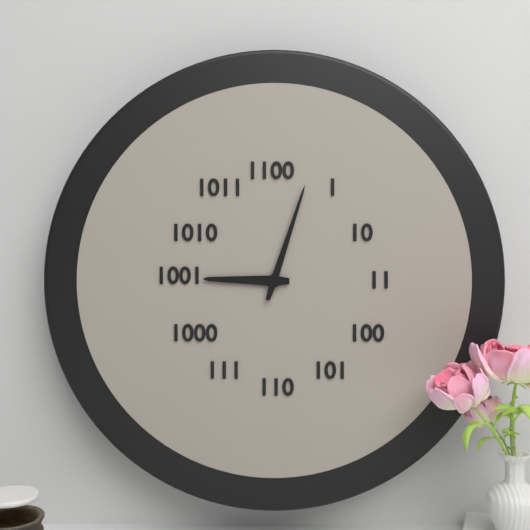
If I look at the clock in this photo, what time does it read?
9:03
